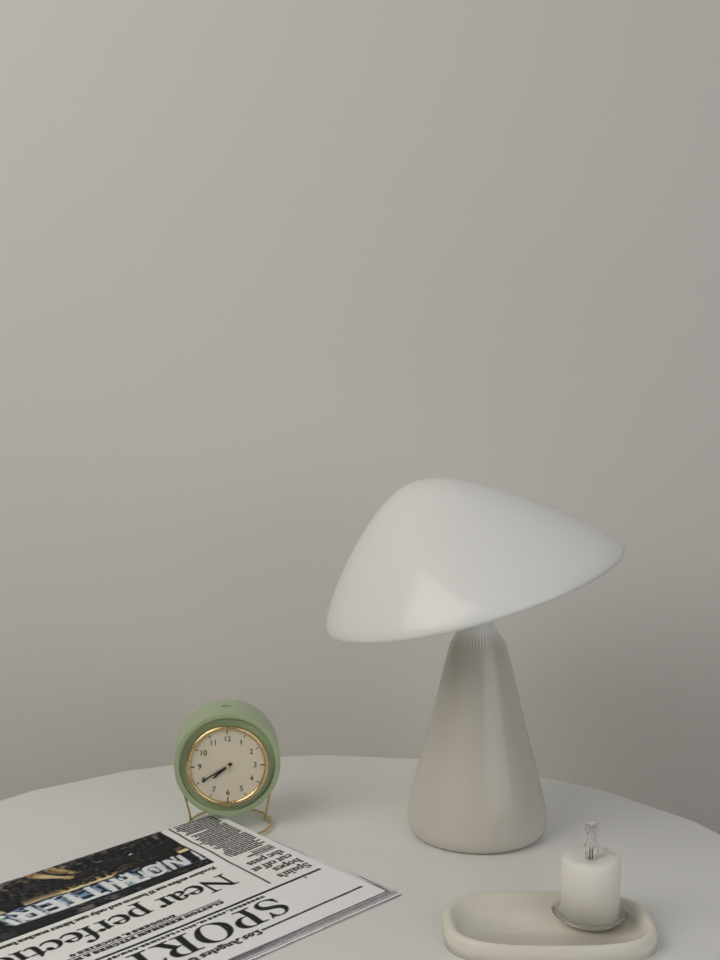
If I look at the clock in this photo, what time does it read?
7:40
